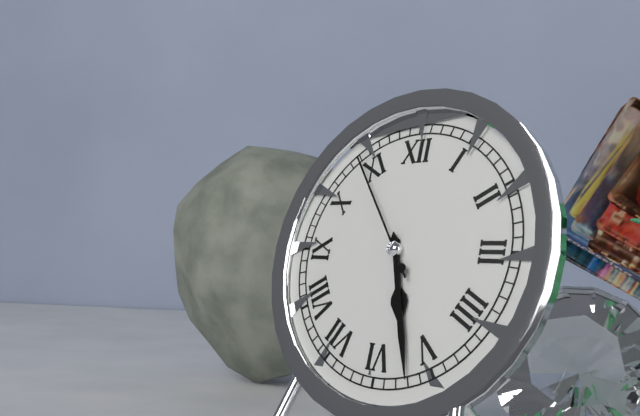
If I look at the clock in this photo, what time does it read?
5:27:54
